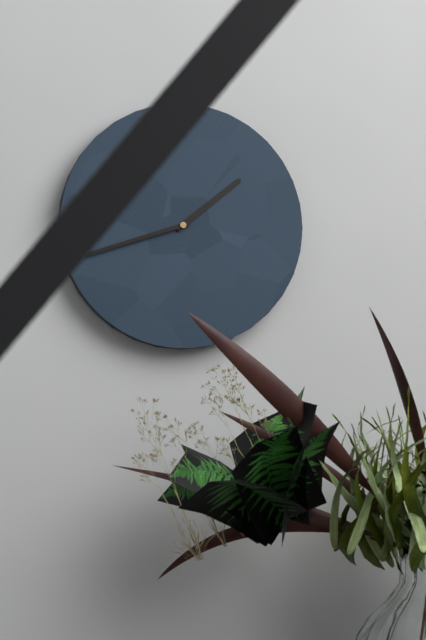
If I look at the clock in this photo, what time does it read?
1:42
